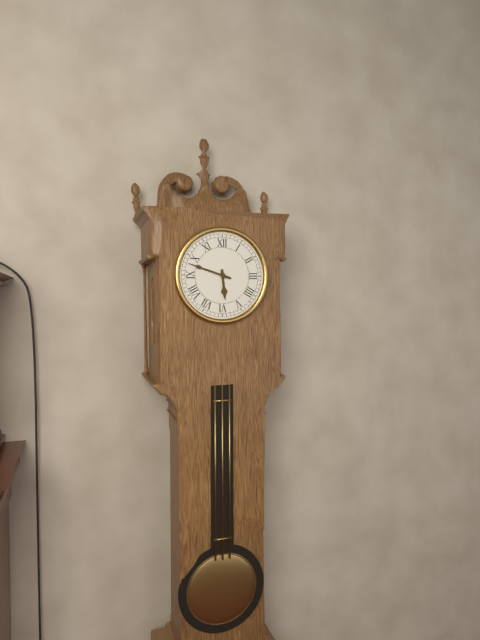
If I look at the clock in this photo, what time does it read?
5:48
